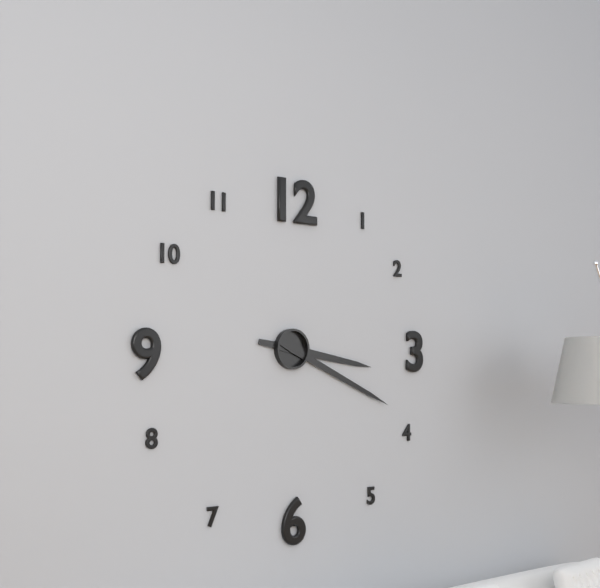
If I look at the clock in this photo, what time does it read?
3:19
